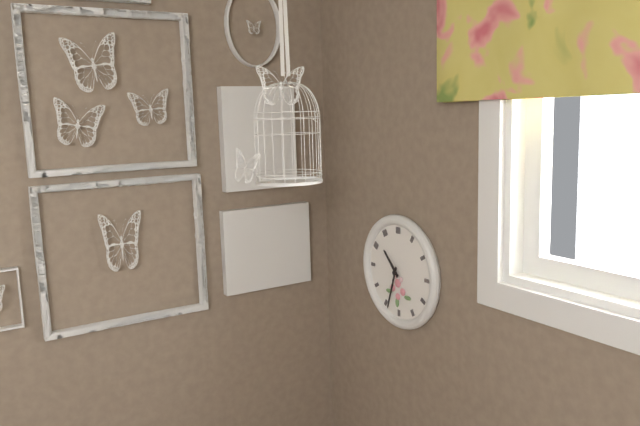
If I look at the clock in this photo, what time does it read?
10:33
